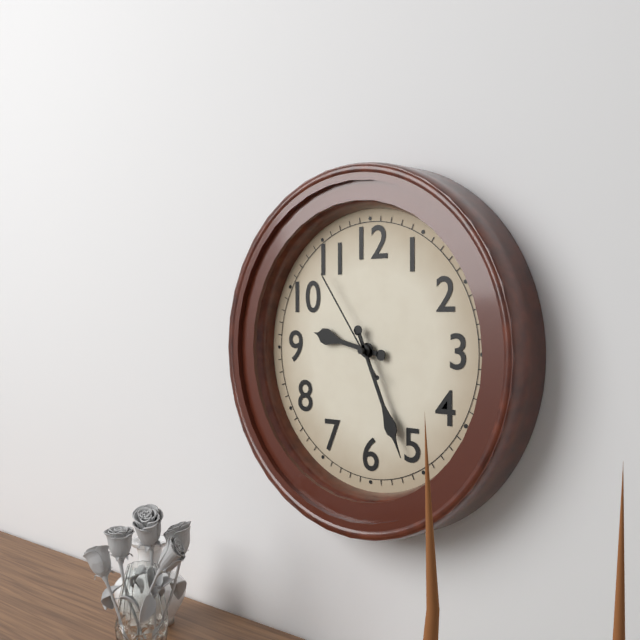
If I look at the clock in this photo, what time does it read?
9:26:54
